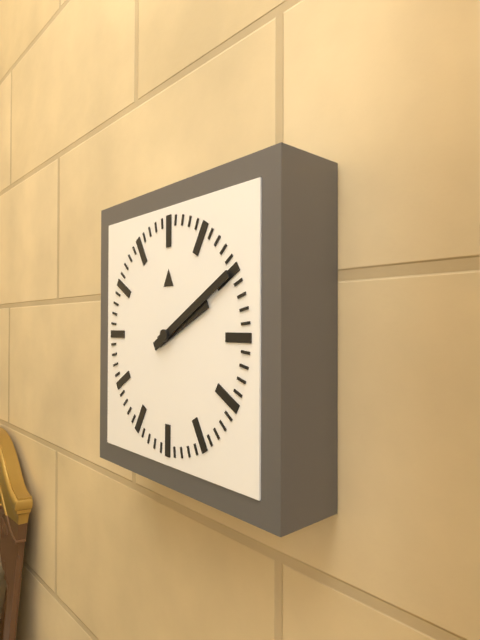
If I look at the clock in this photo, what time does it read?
2:10
